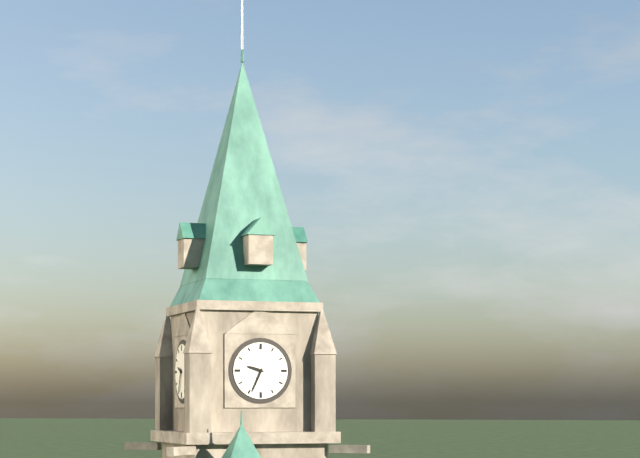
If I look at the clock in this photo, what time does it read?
9:34
